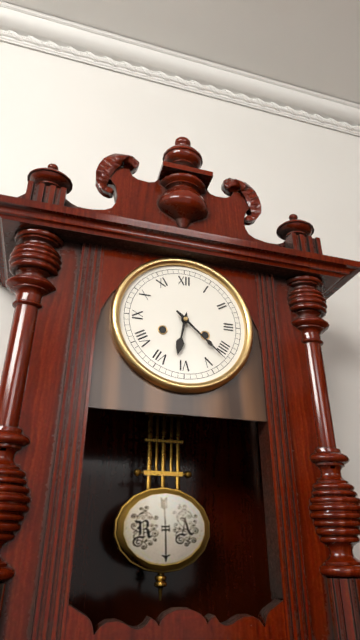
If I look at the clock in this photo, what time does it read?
6:22
